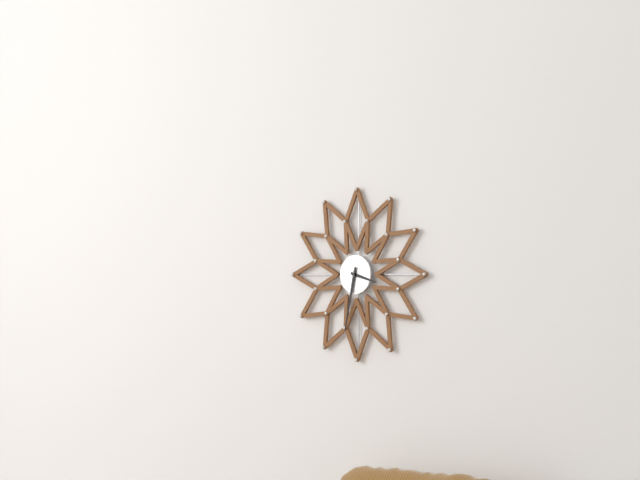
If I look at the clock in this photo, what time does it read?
3:32
